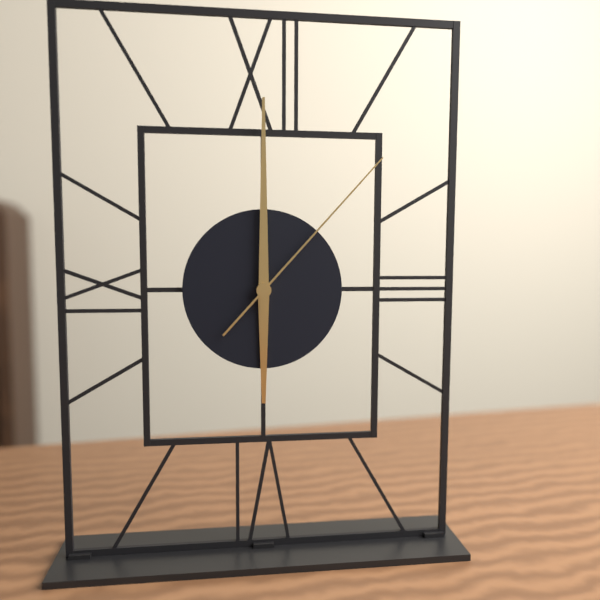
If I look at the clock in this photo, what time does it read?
6:00:07
